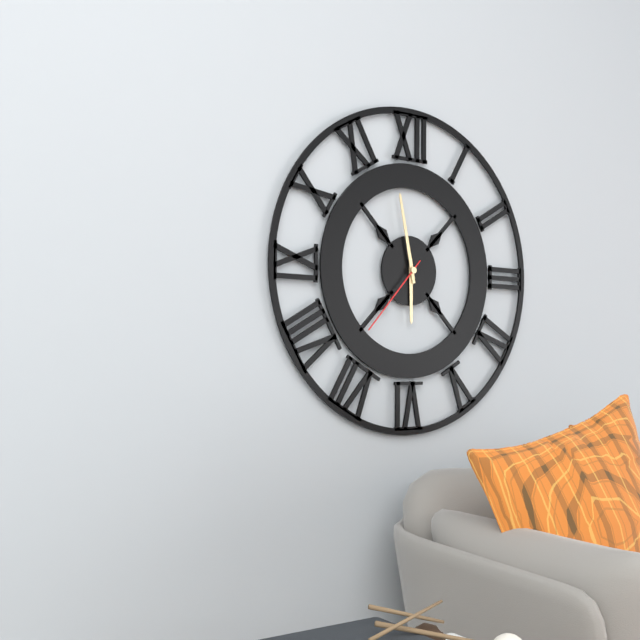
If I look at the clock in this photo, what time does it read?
5:58:37
